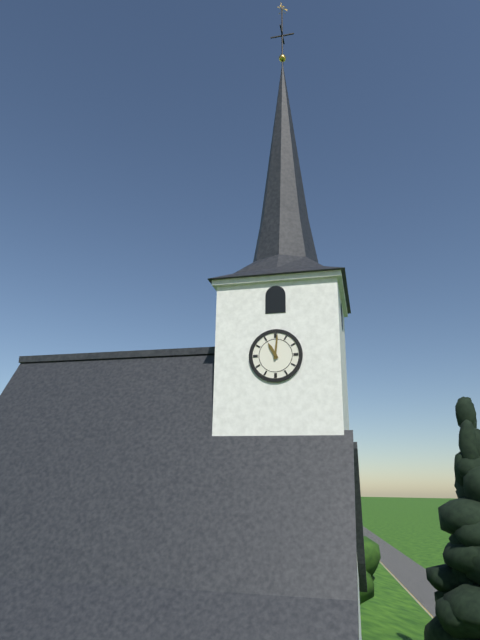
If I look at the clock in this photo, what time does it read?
11:01
